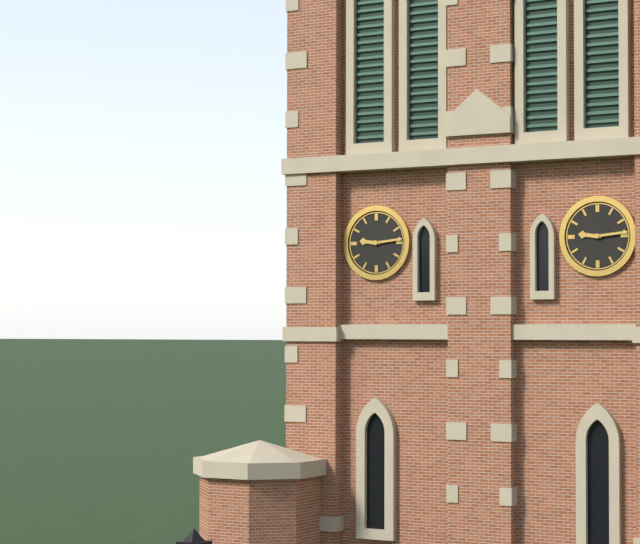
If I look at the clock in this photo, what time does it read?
9:14
